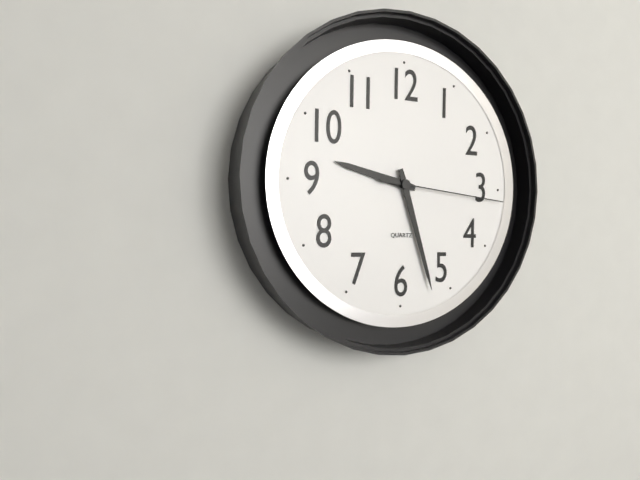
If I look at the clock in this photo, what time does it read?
9:27:16
